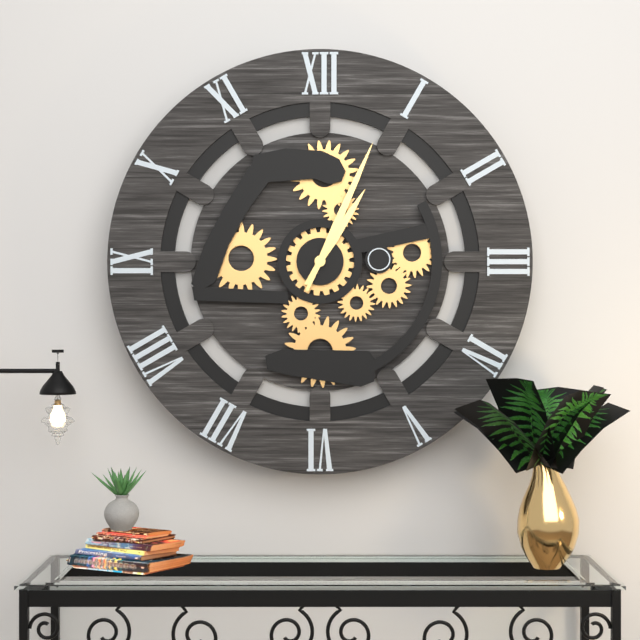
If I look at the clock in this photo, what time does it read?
1:04
